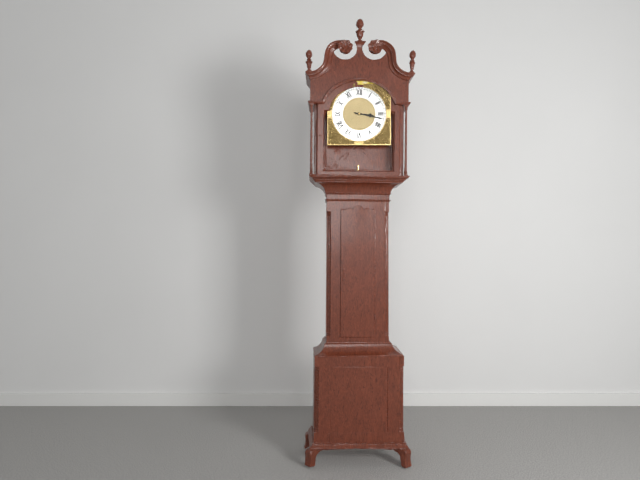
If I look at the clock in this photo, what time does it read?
3:17
